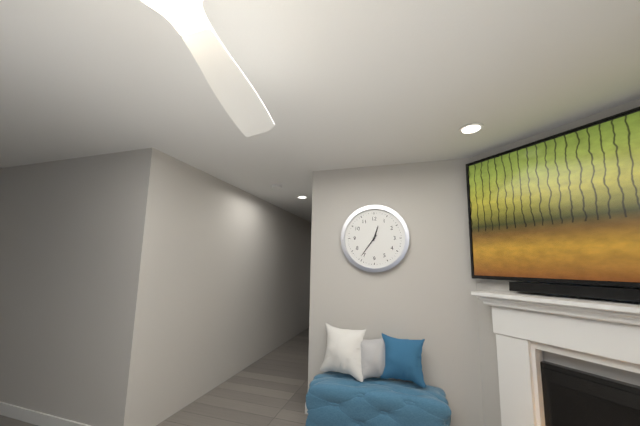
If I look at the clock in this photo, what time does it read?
12:36
